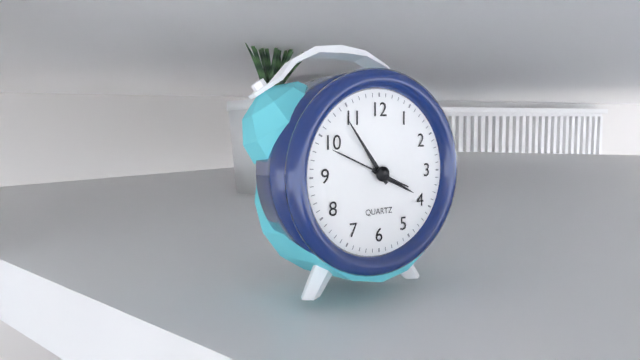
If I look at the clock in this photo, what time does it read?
3:54:49
